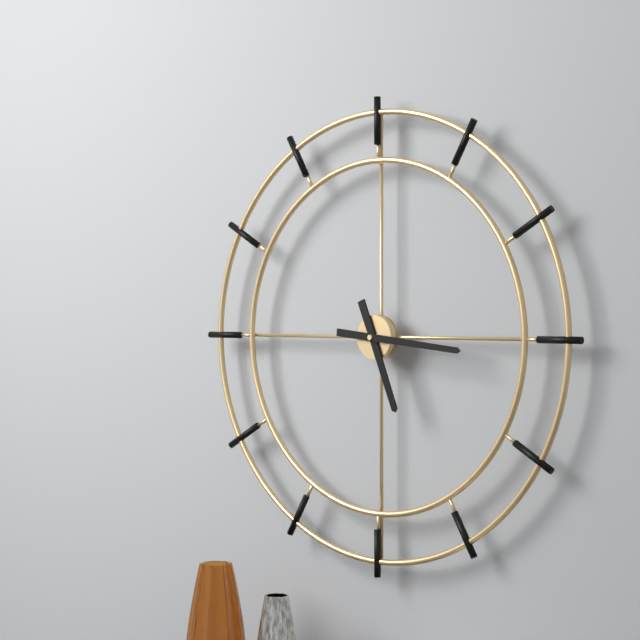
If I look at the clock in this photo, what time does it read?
5:16
